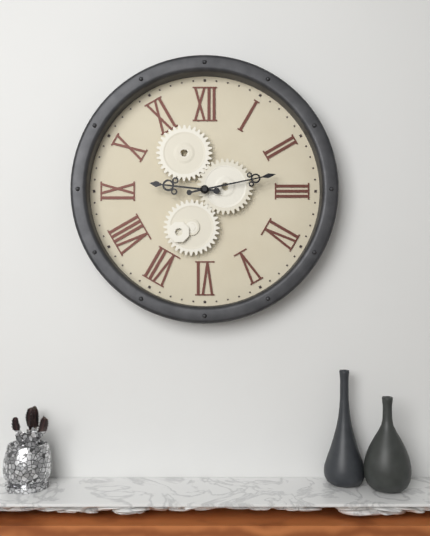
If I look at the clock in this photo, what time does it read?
9:13
